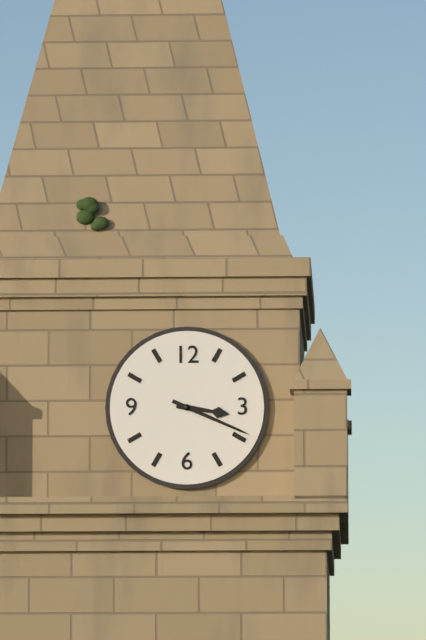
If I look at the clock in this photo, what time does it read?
3:19
